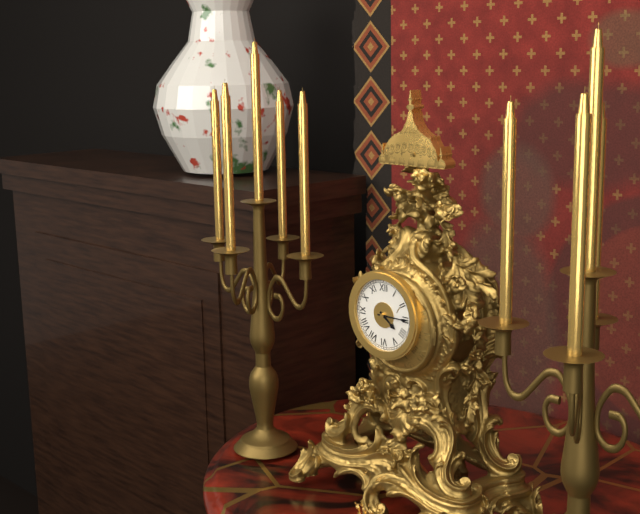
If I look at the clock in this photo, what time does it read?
4:15
